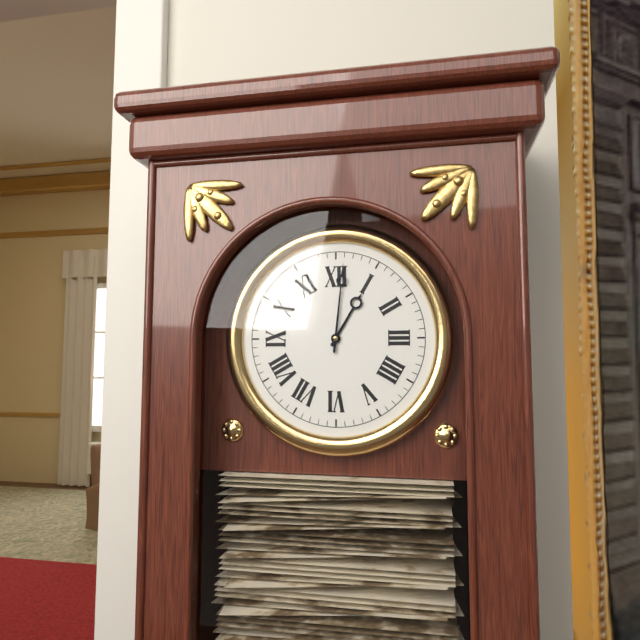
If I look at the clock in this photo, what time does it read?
1:01
